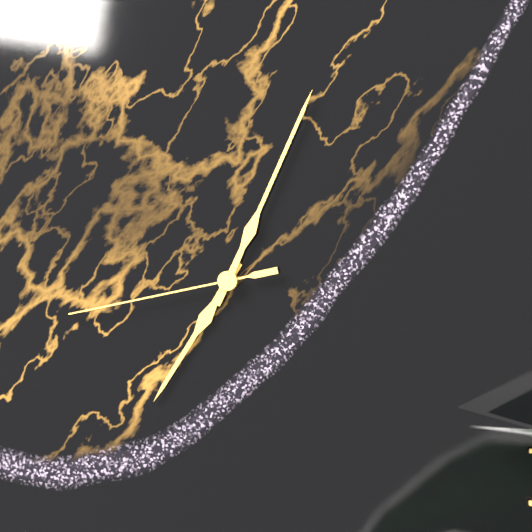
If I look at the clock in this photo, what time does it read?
7:04:43
